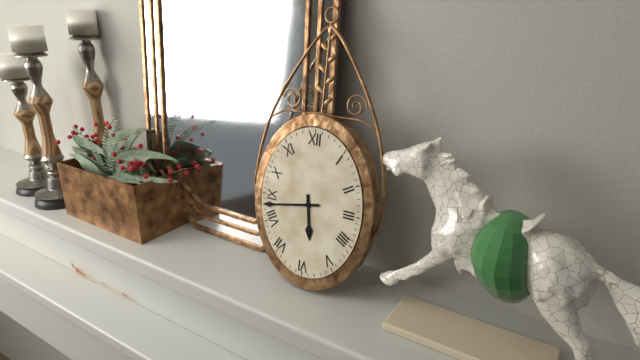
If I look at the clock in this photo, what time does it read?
5:43
